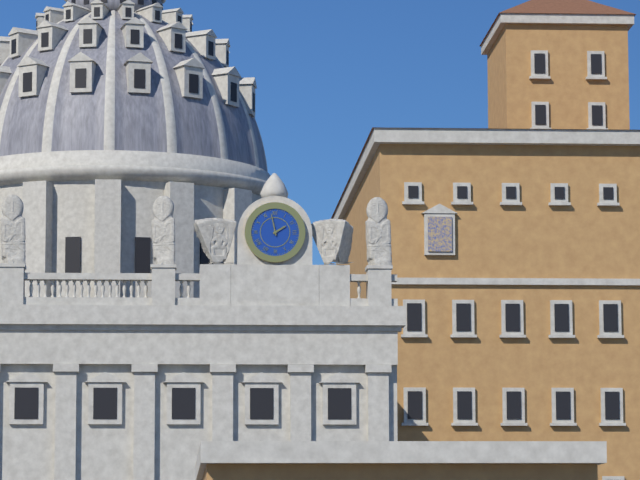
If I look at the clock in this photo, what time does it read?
1:58
